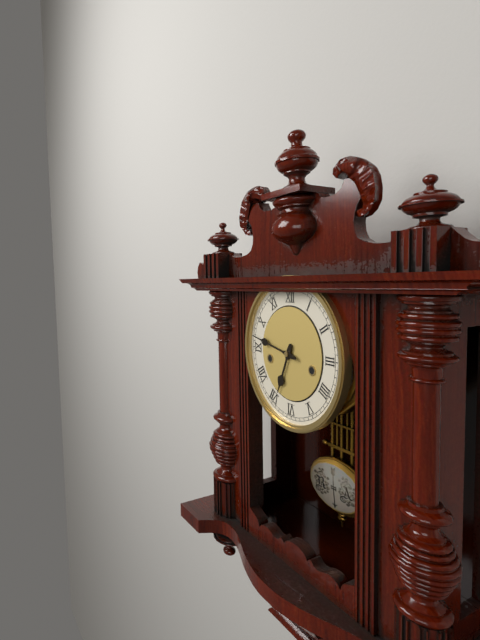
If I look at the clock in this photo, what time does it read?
6:47
